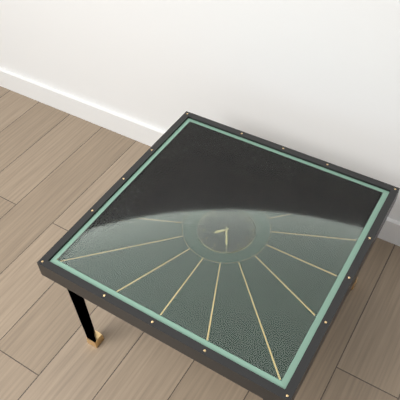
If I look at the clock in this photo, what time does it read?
7:25
